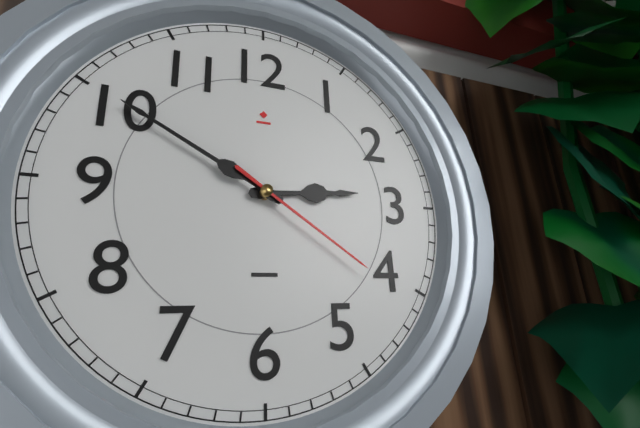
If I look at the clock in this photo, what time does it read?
2:50:21
